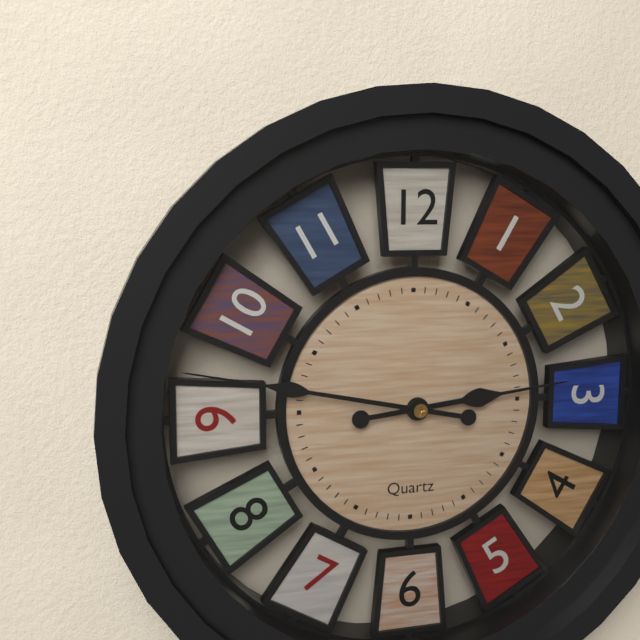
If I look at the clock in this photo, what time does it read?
2:47
